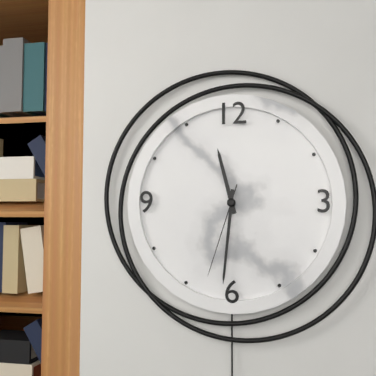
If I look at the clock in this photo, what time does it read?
11:31:33
